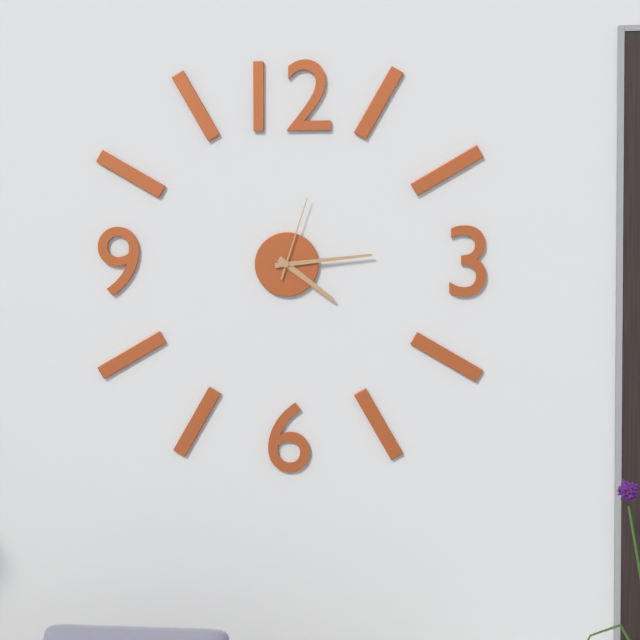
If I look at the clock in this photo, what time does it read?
4:14:03
